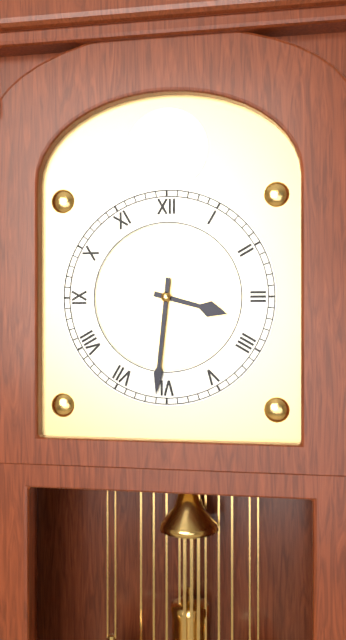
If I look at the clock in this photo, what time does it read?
3:31
